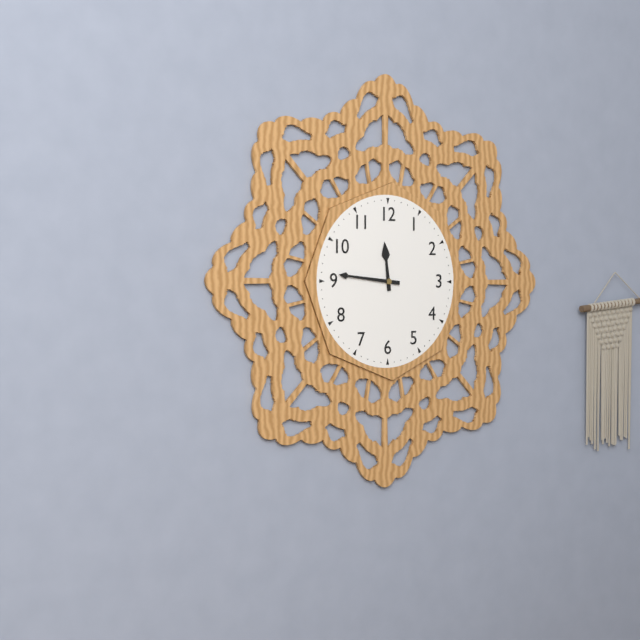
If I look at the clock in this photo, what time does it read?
11:46
